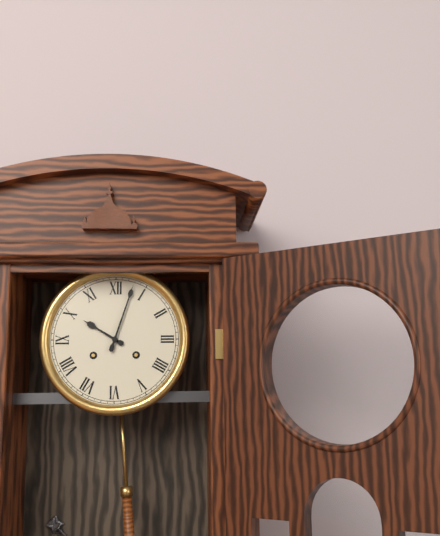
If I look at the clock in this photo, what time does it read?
10:03
